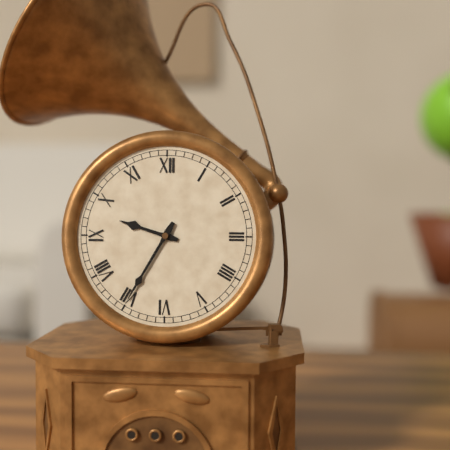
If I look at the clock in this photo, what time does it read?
9:35
